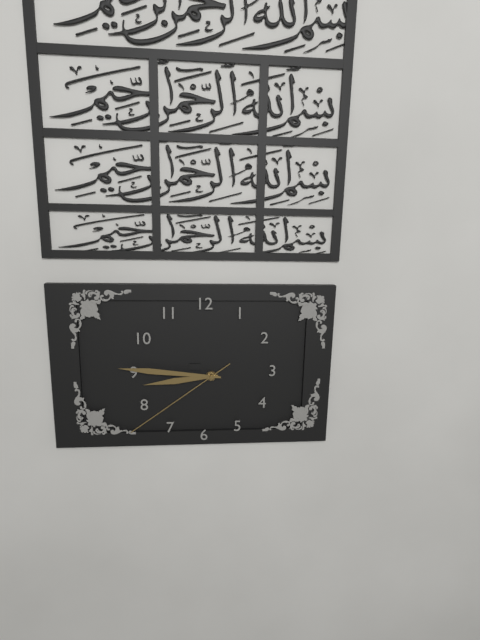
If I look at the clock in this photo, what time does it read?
8:46:39
